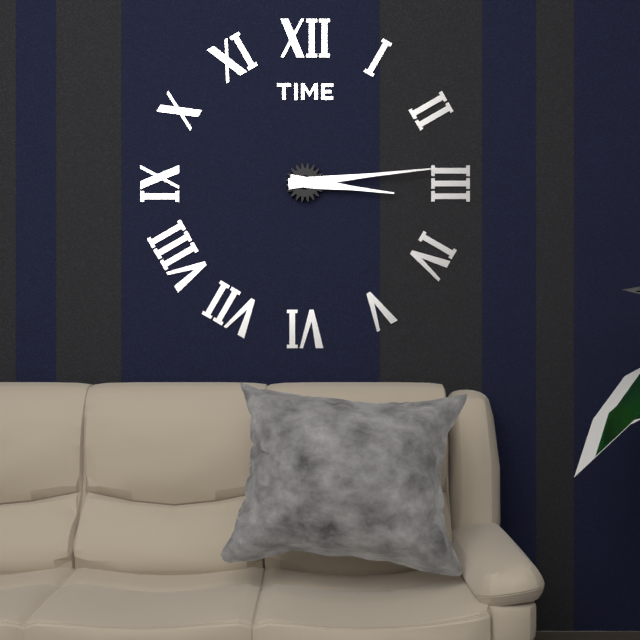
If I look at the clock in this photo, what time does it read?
3:14
